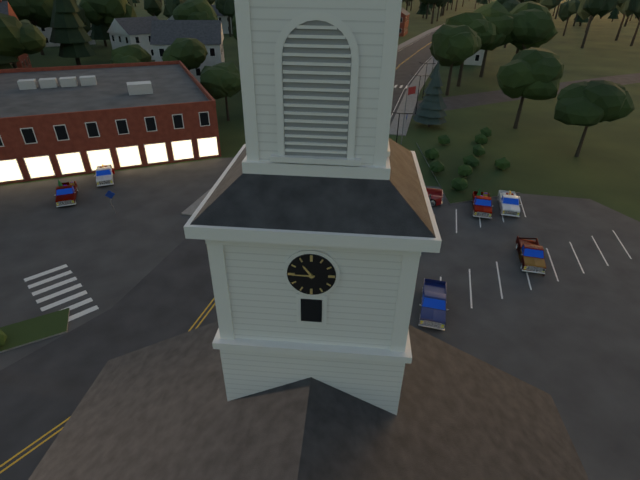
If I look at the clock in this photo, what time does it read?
10:45
